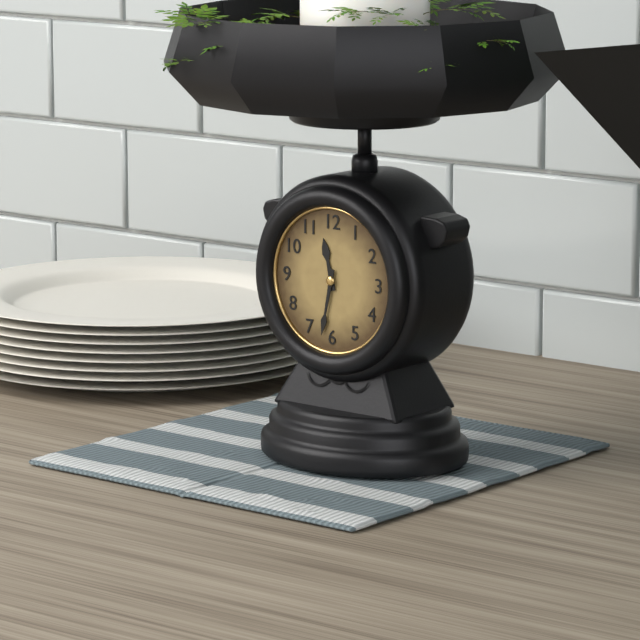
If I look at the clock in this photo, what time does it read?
11:32
